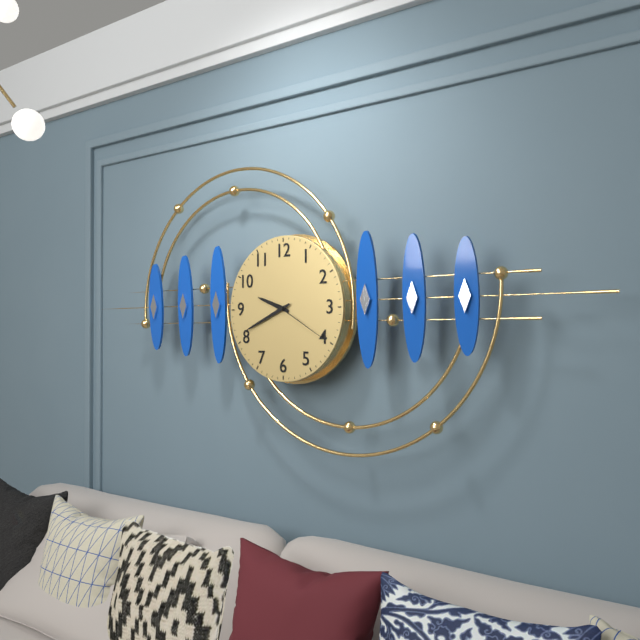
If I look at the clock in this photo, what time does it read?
9:41:20
